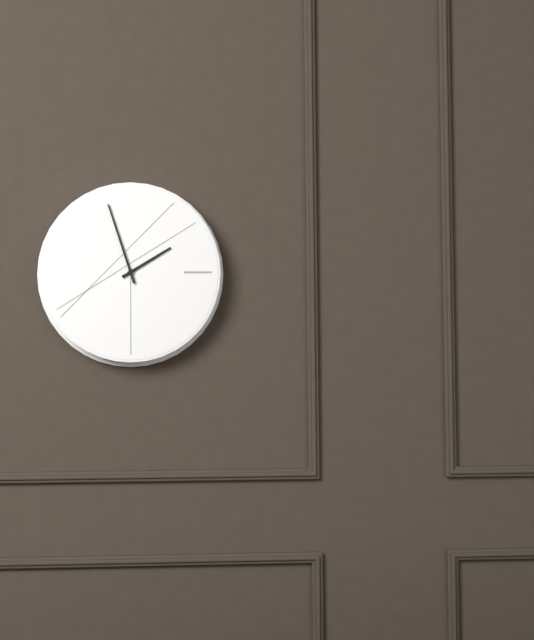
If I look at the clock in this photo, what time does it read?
1:57
